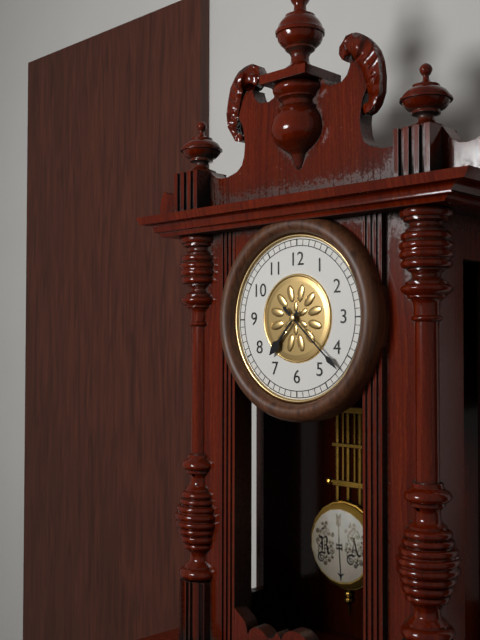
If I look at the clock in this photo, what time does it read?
7:22
